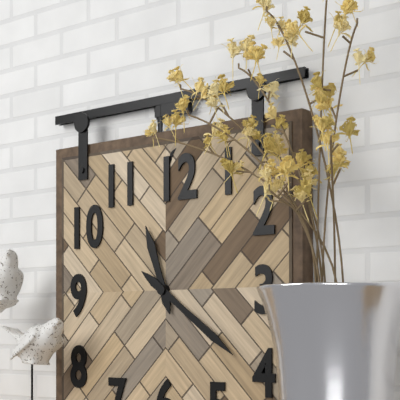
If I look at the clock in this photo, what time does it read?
11:21
